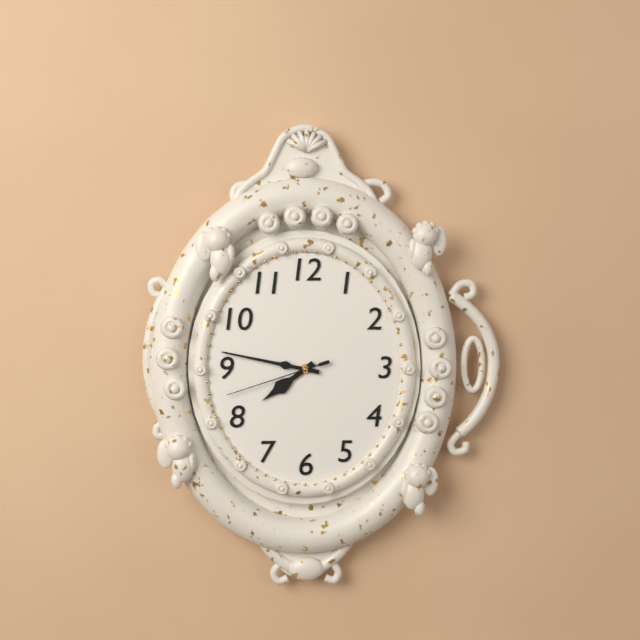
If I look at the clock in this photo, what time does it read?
7:47:42
